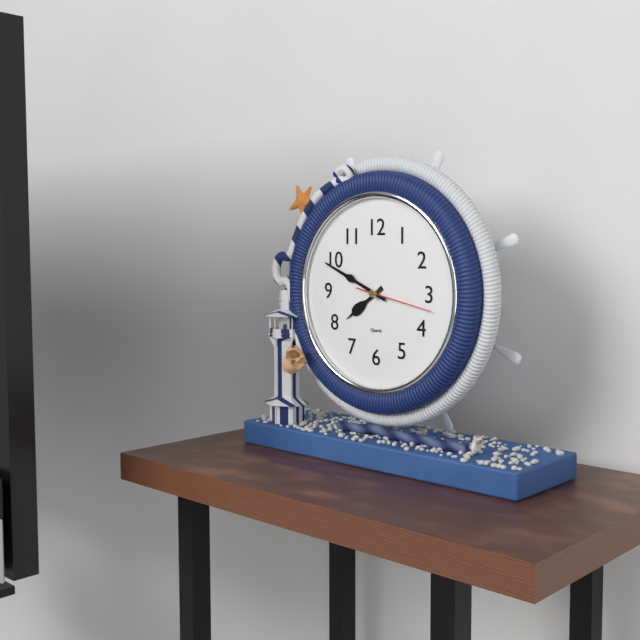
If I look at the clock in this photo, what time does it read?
7:49:17
